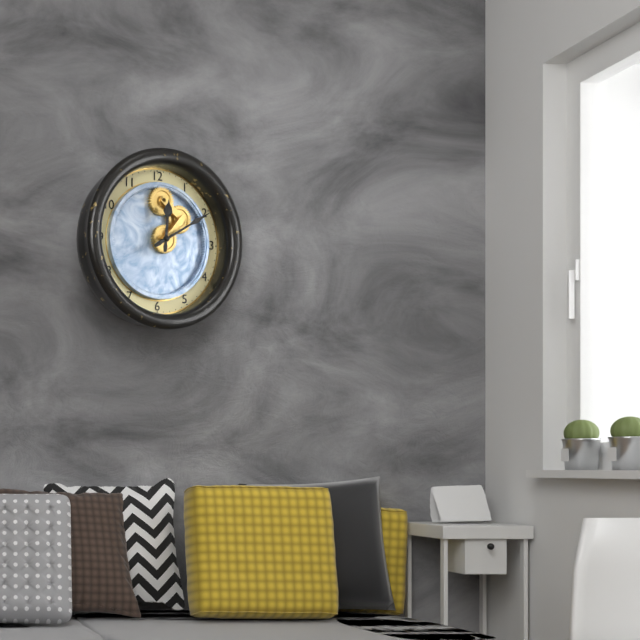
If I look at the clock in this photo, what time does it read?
12:10
